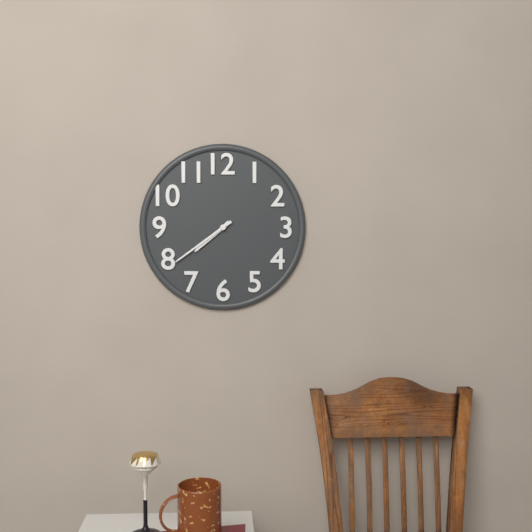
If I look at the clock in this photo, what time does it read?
7:39
